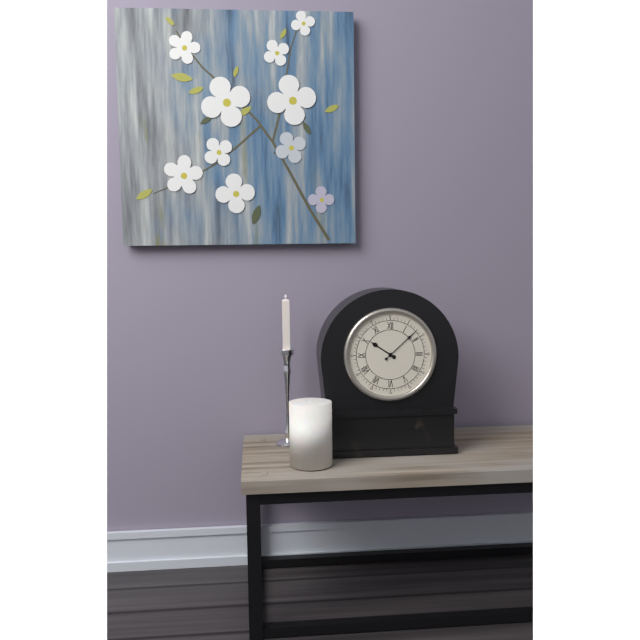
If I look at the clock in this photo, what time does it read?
10:08
